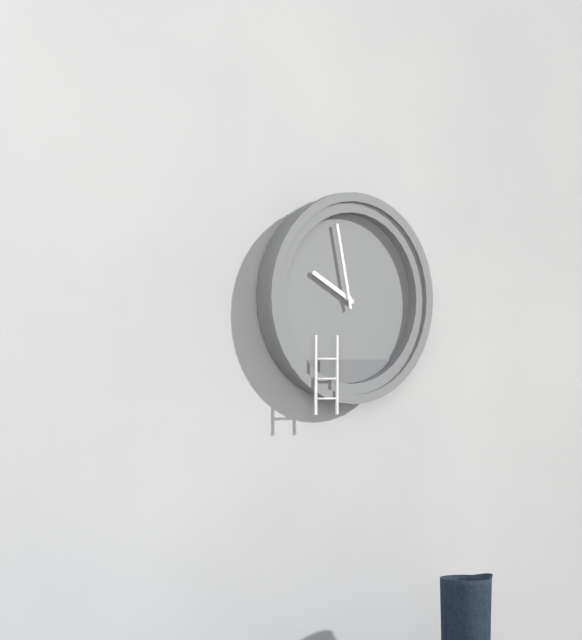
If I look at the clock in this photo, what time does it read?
9:58
